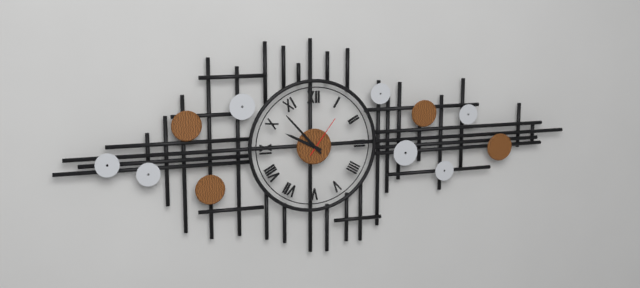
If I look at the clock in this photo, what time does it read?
9:53
